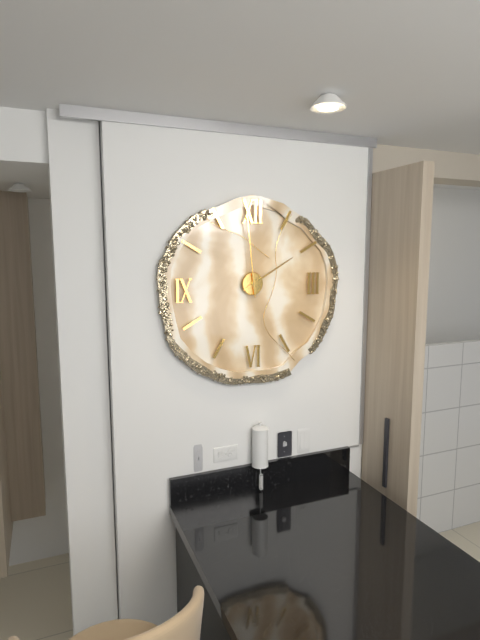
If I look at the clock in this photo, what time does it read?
1:59
